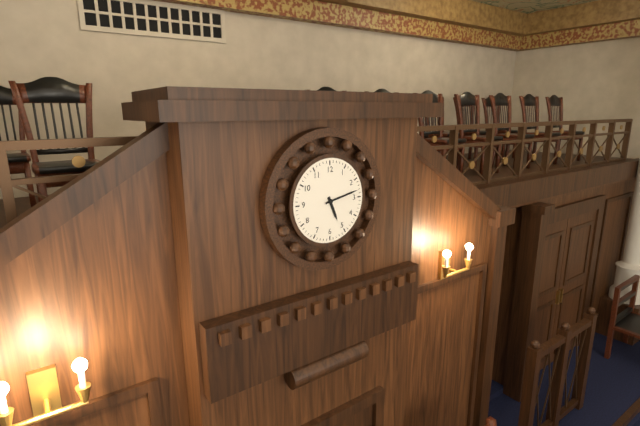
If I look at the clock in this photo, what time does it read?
5:13
